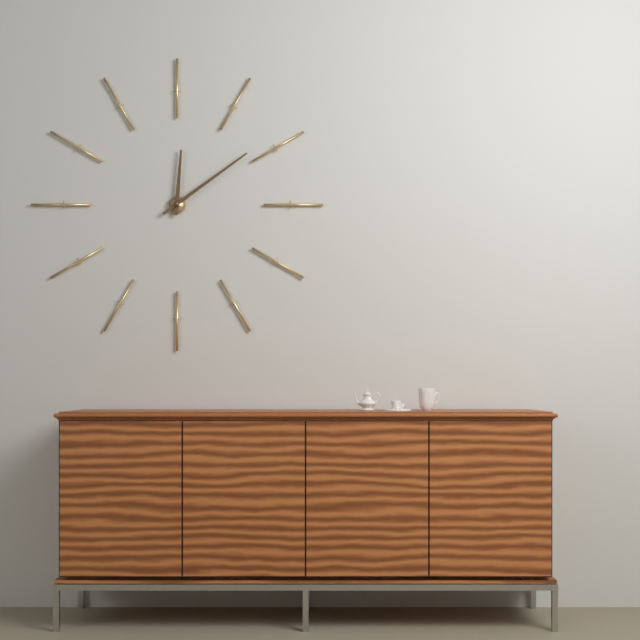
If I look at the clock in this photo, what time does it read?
12:09
